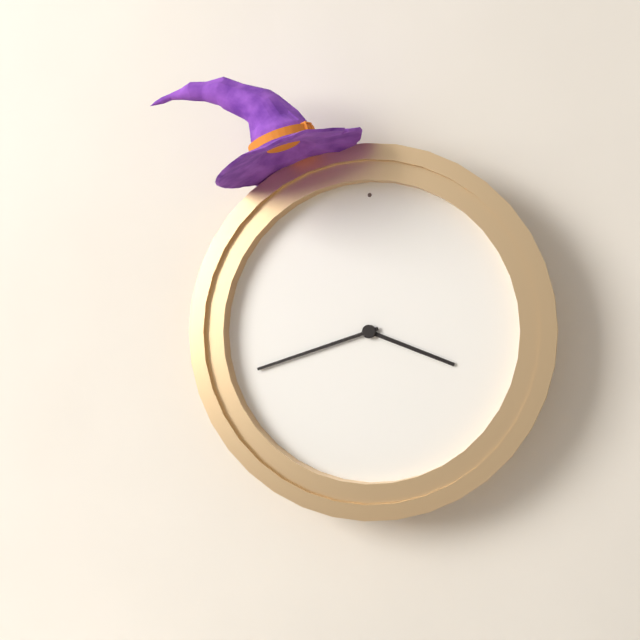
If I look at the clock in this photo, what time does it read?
3:42
